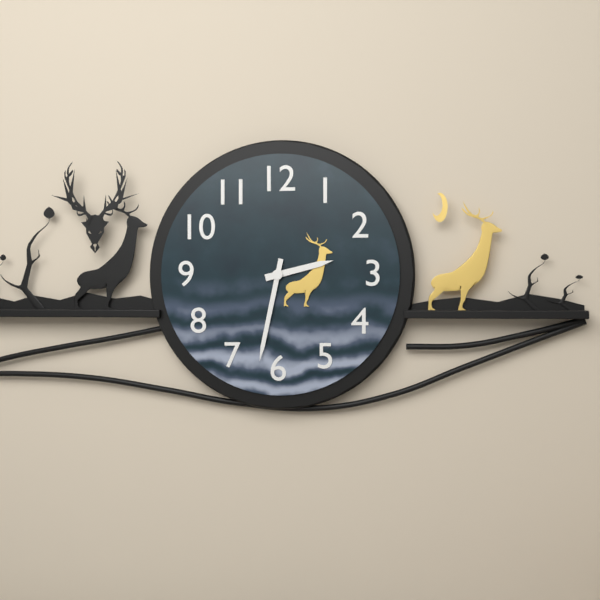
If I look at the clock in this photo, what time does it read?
2:32
